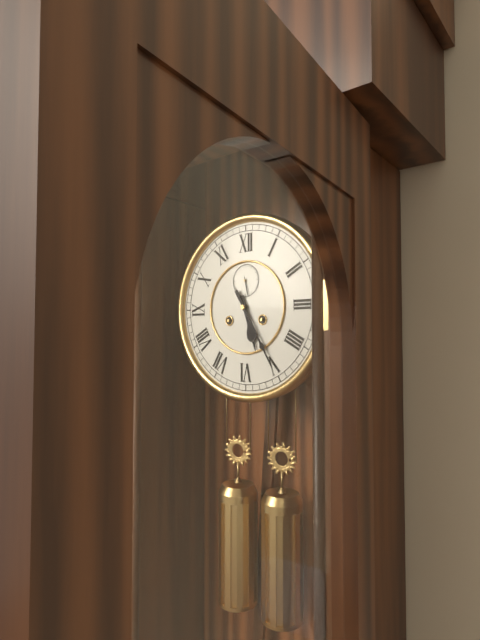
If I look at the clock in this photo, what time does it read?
5:25
